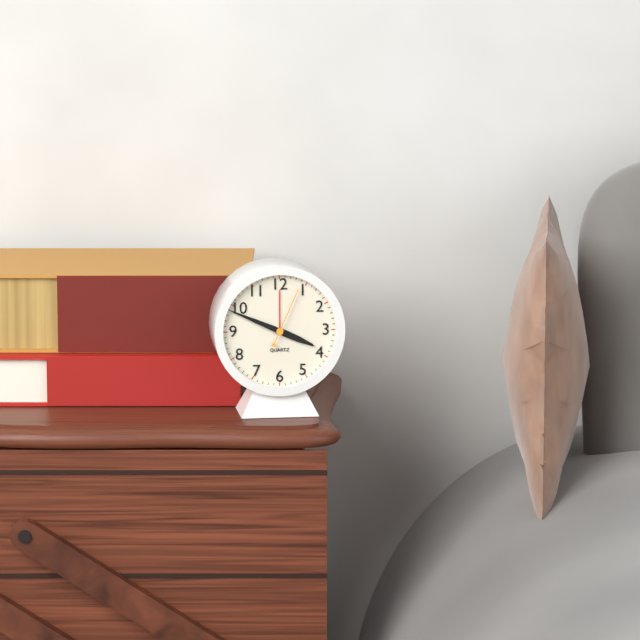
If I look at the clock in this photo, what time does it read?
3:49:04
